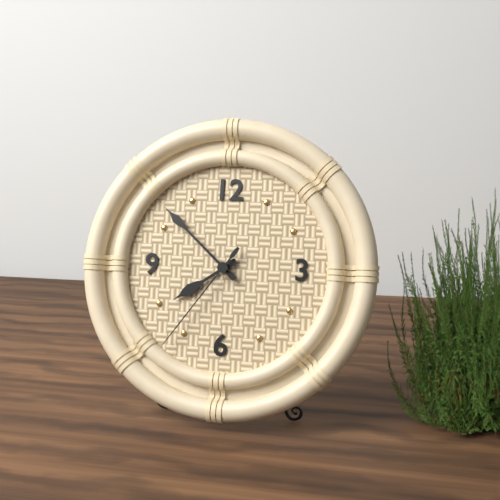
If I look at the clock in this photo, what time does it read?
7:52:36
